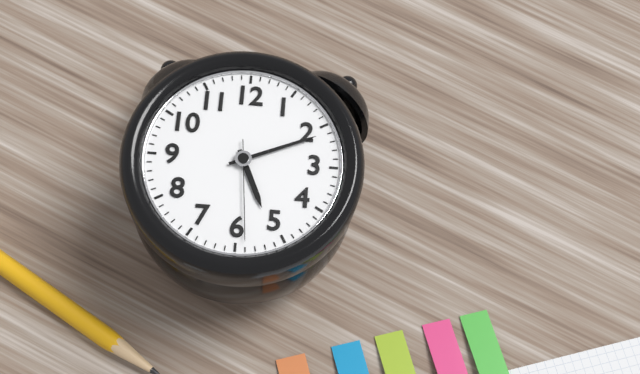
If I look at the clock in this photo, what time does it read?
5:11:29
